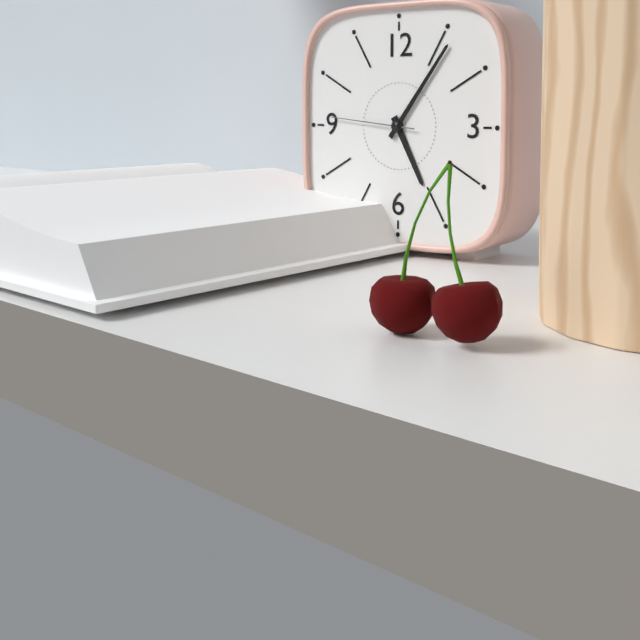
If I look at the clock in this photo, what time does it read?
5:06:46
